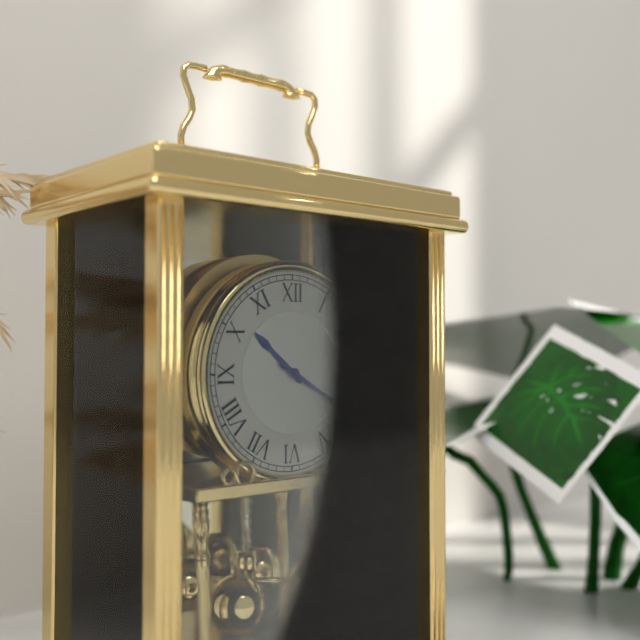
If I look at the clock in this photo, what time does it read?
10:20
